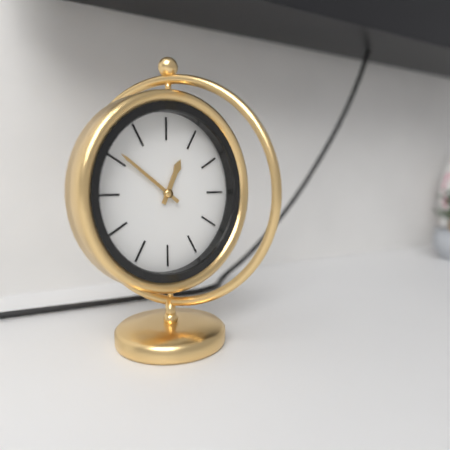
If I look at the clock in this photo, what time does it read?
12:51
